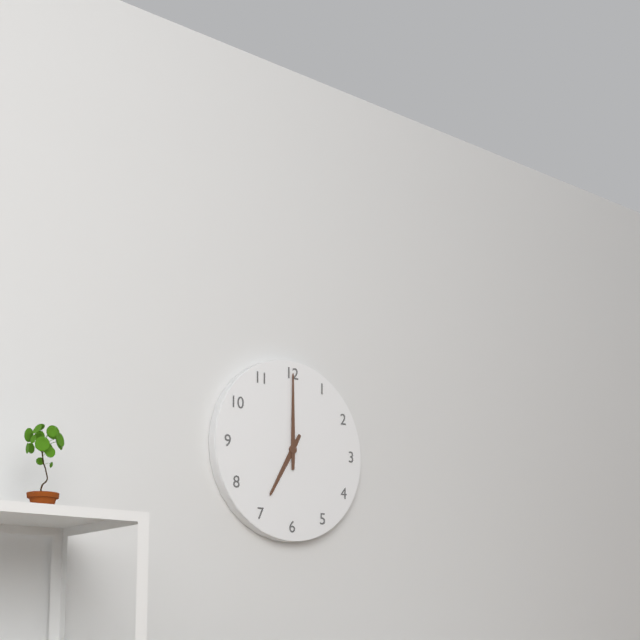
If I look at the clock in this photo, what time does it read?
7:00
